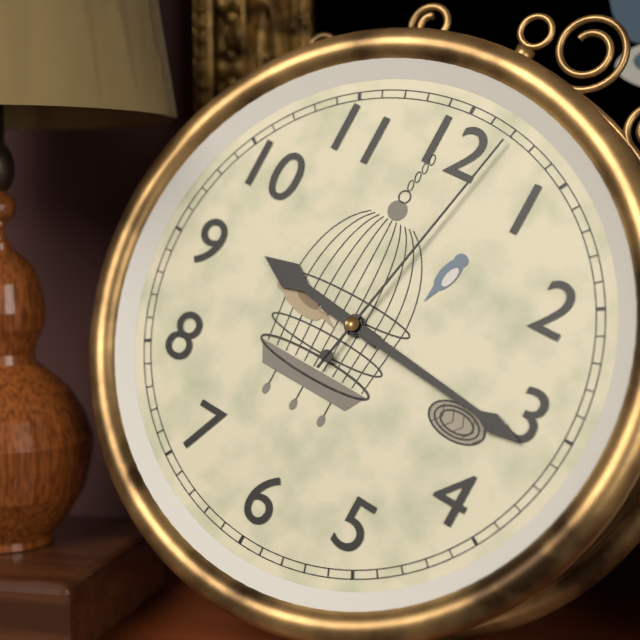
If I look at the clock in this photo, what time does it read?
9:16:02
